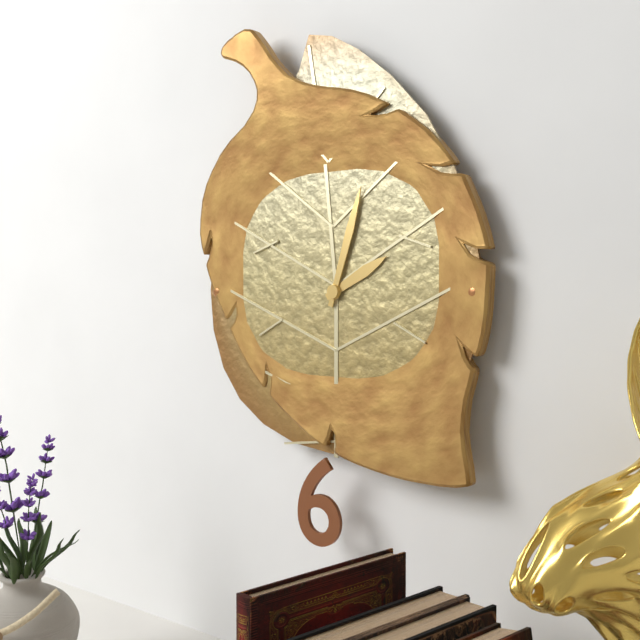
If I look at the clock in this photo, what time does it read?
2:03
